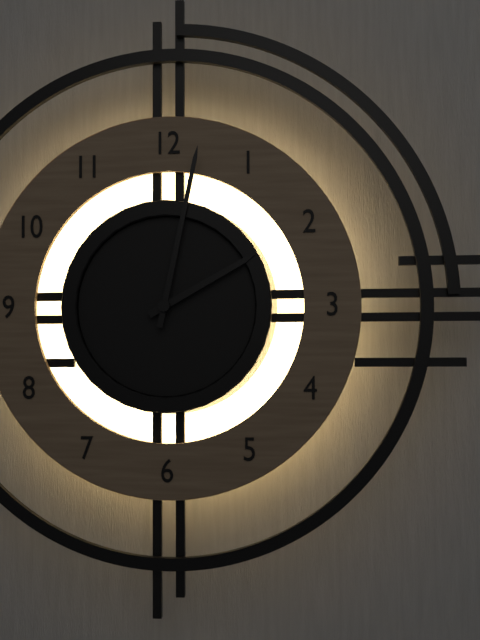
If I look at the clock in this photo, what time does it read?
2:02
